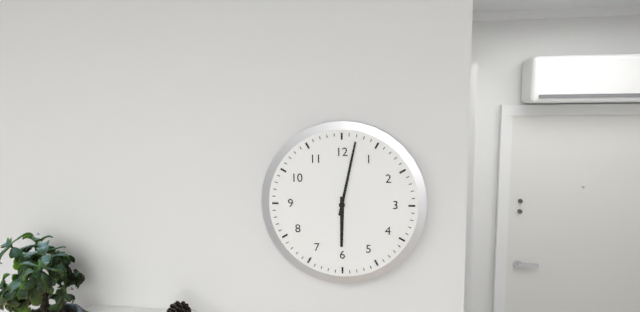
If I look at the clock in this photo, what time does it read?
6:02
